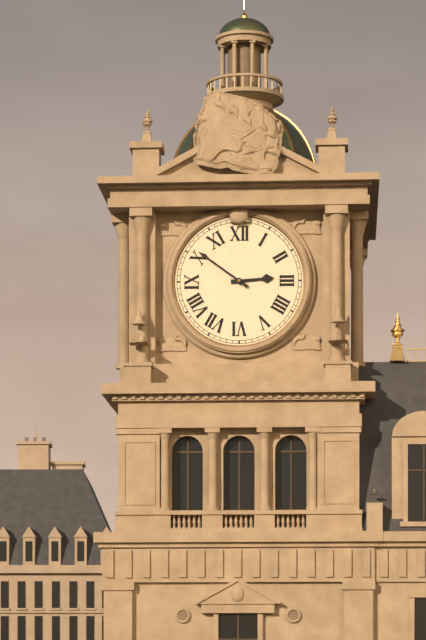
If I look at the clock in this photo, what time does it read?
2:51
